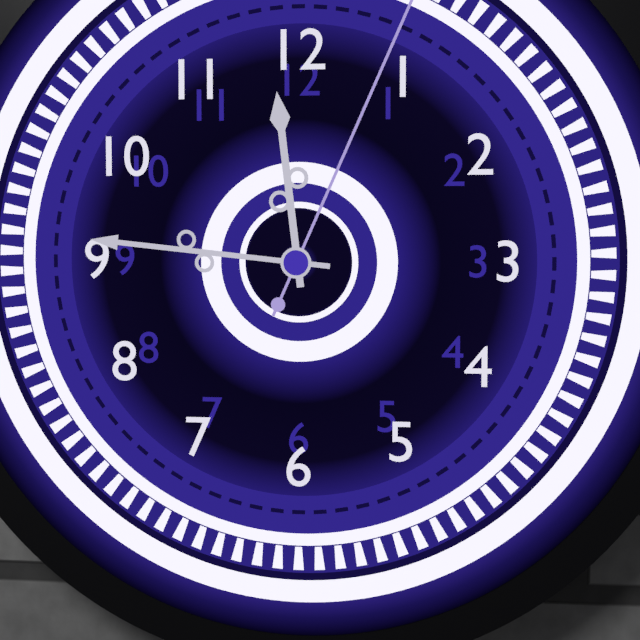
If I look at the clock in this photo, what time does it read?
11:46
